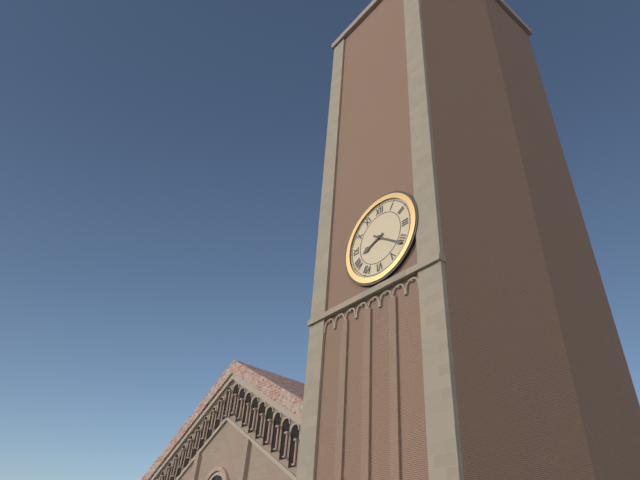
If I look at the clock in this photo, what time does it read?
8:21
